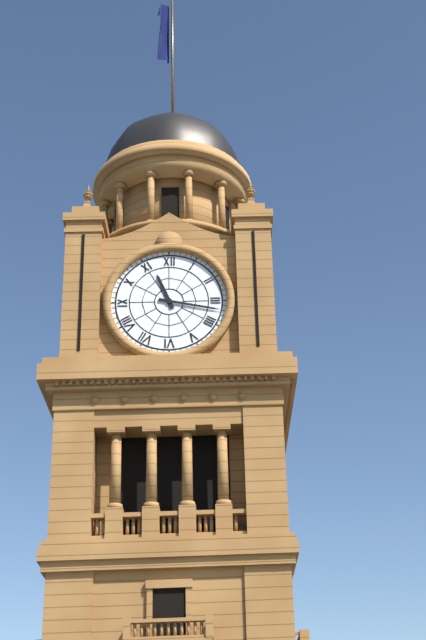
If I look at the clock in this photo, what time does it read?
11:17
